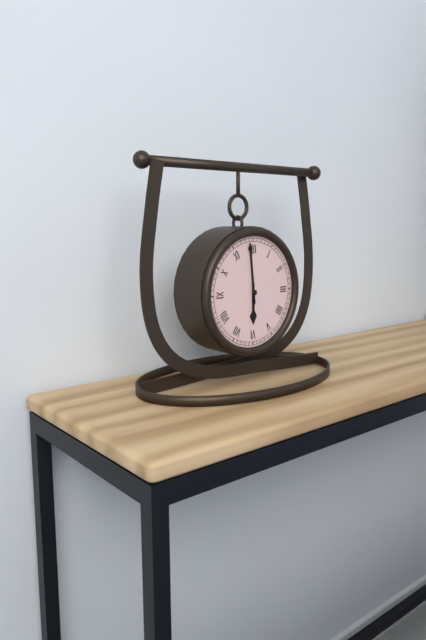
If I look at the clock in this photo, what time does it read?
5:59
